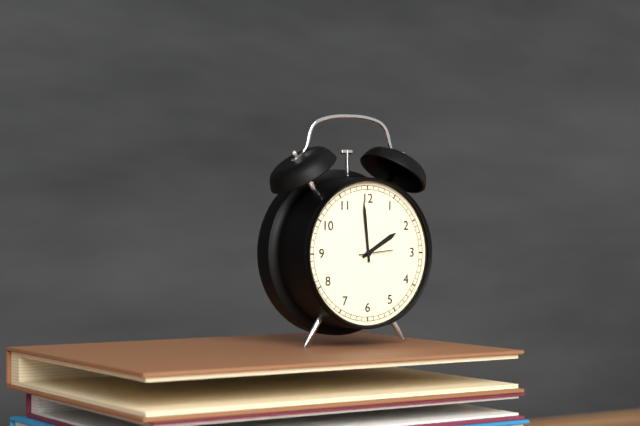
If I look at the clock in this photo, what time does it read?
1:59
